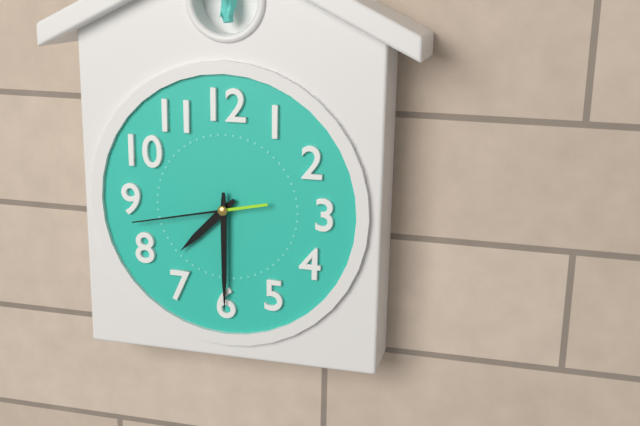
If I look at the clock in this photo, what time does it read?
7:30:43
